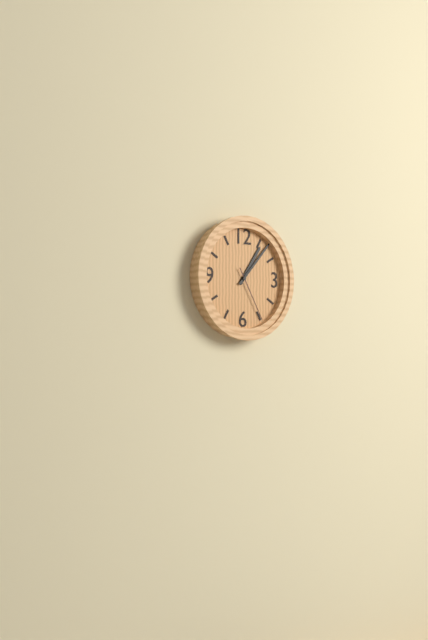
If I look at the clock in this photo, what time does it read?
1:07:25
